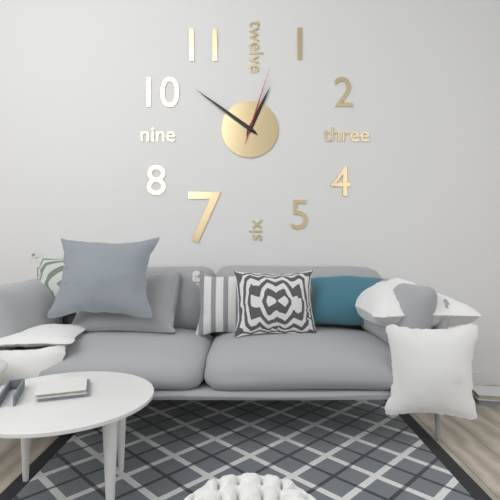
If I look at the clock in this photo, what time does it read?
12:51:03
